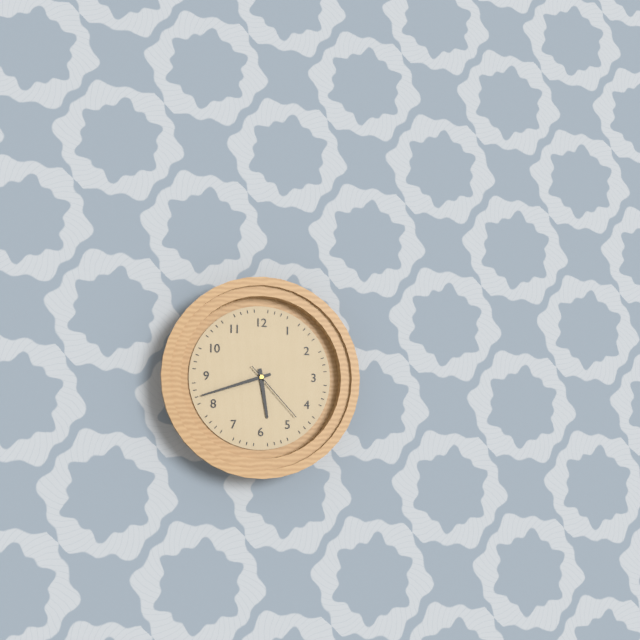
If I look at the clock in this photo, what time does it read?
5:42:23
